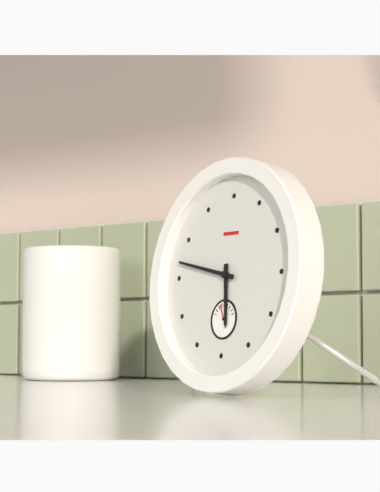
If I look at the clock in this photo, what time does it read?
5:47
